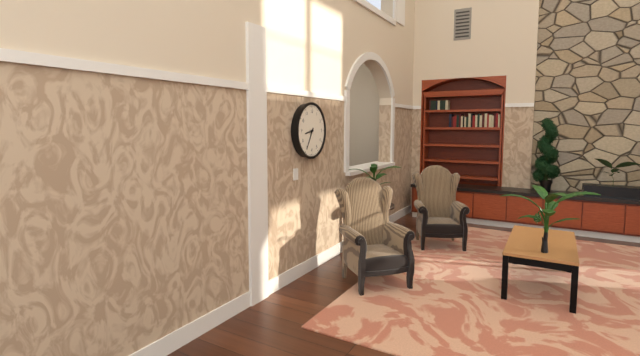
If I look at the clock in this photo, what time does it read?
8:35
